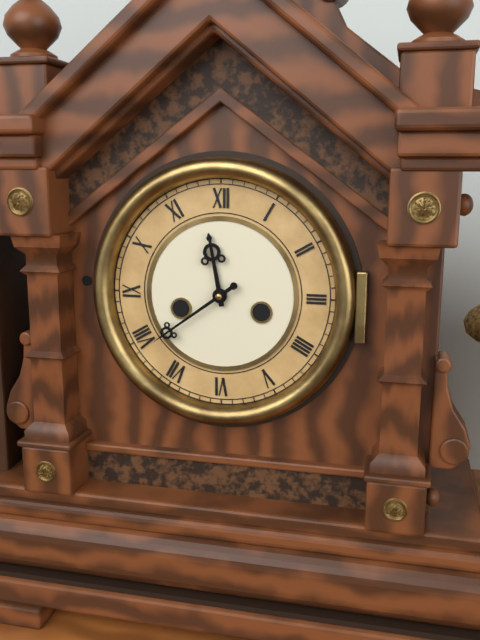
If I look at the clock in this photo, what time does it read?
11:39
